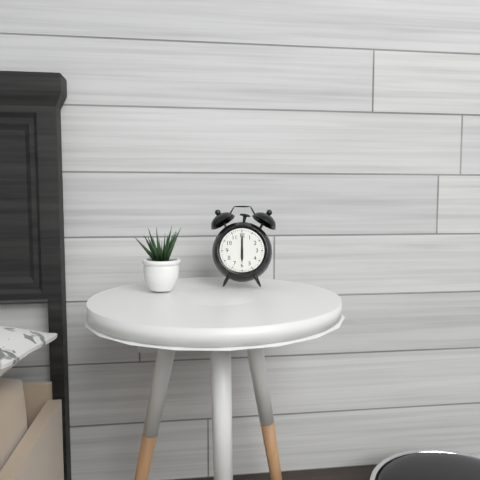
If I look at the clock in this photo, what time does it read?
6:00
